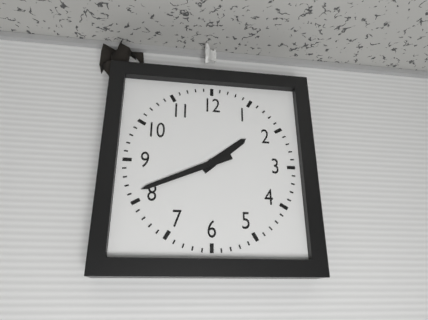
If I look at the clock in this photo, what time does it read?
1:41
